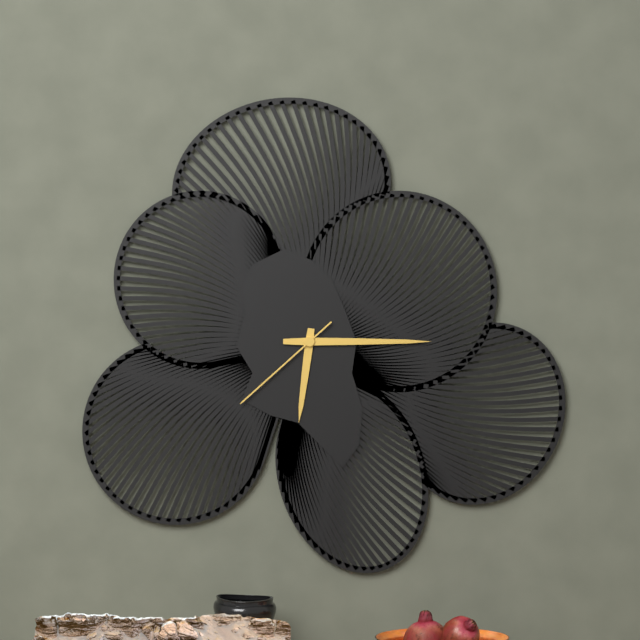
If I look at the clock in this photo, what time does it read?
6:15:38
